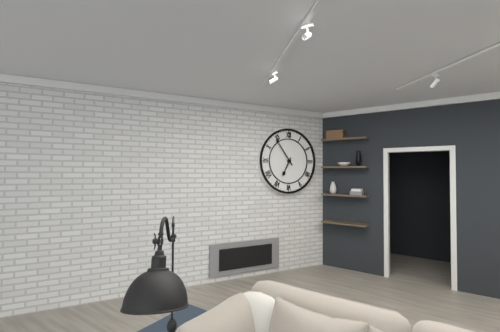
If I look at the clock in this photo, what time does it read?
6:54
